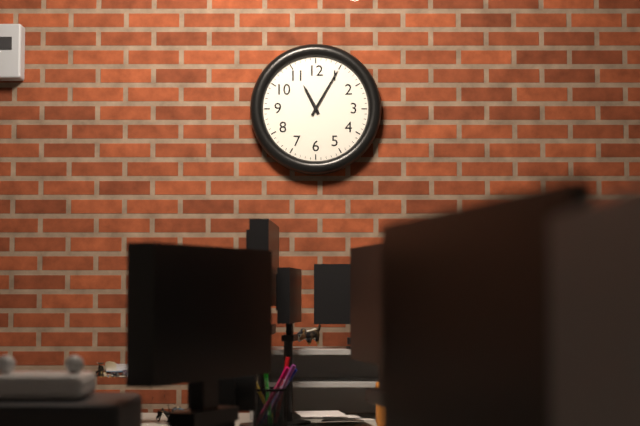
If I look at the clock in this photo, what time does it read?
11:05
